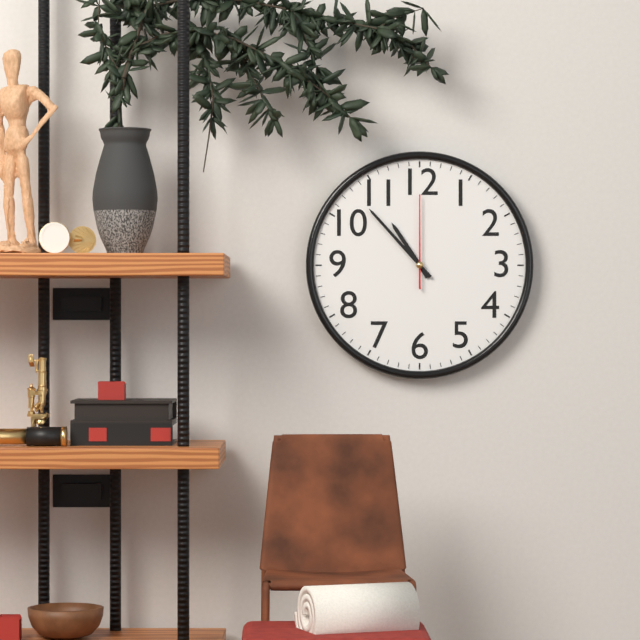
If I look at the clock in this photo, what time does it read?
10:53:00
